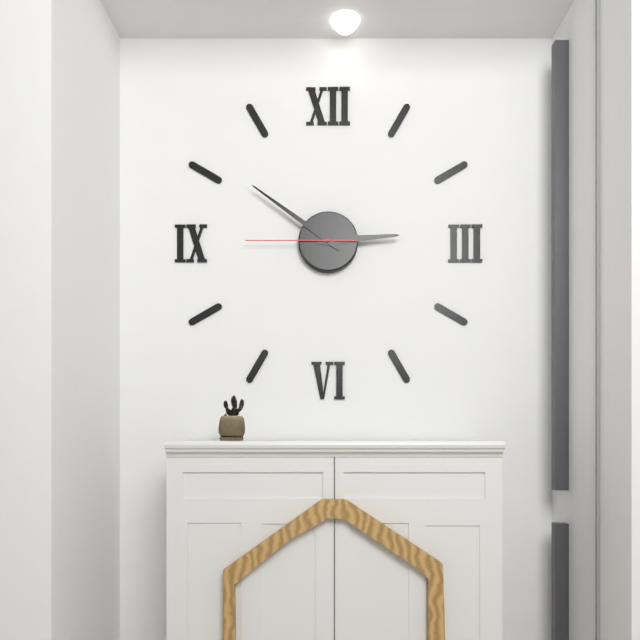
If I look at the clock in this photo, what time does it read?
2:51:45
